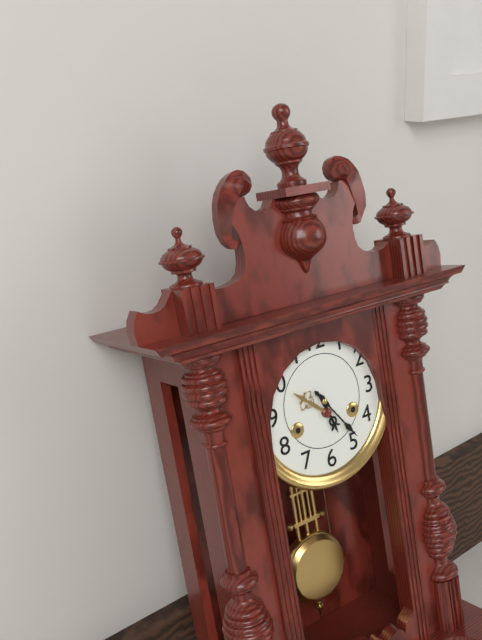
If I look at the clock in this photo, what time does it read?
5:24
